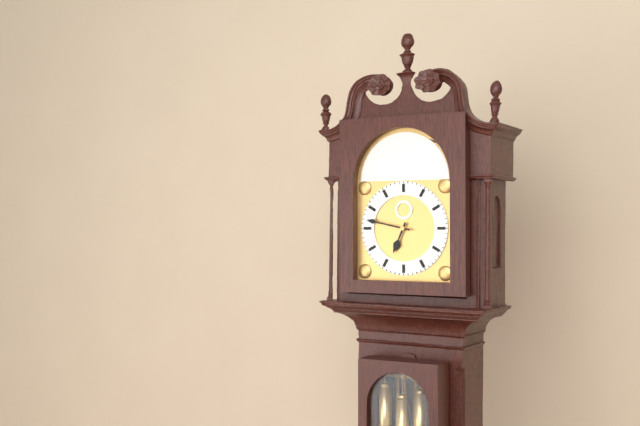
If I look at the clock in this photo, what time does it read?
6:47
